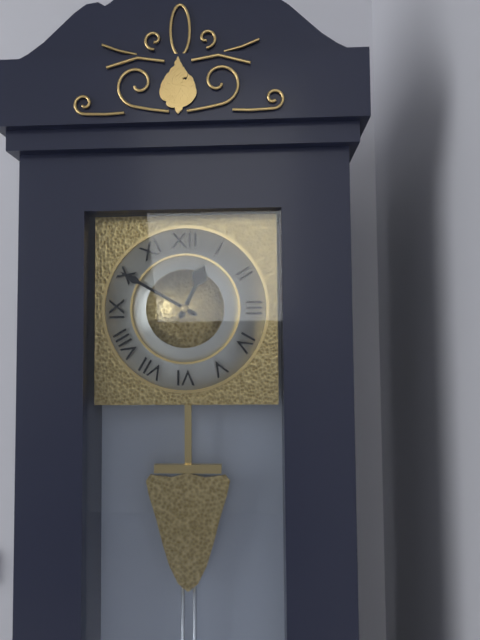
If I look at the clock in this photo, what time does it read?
12:50
